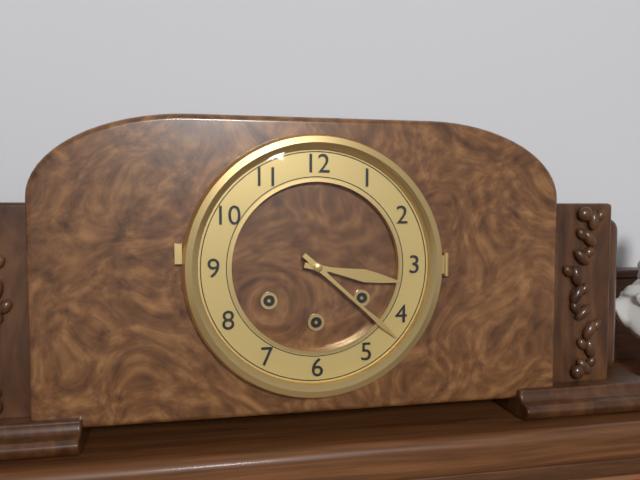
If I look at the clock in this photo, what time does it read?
3:22
